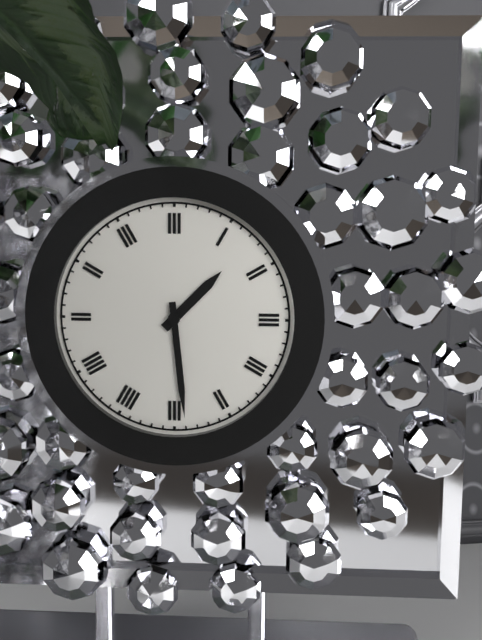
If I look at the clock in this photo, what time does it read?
1:29
